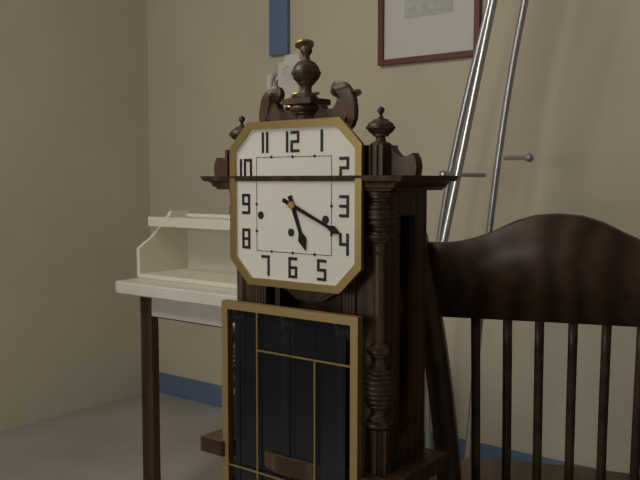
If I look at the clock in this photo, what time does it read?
5:19
